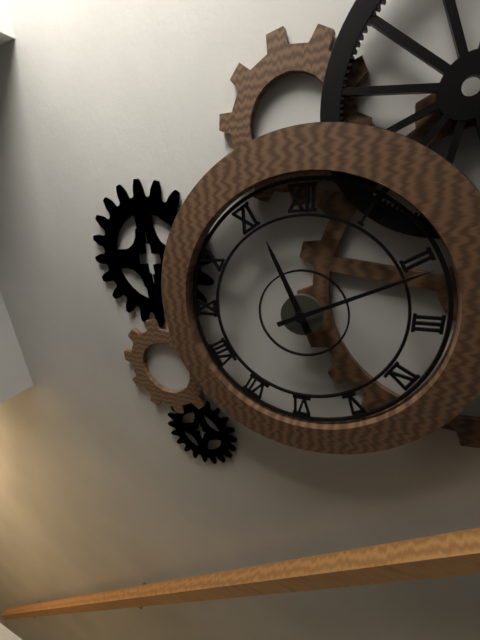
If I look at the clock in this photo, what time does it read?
11:11
